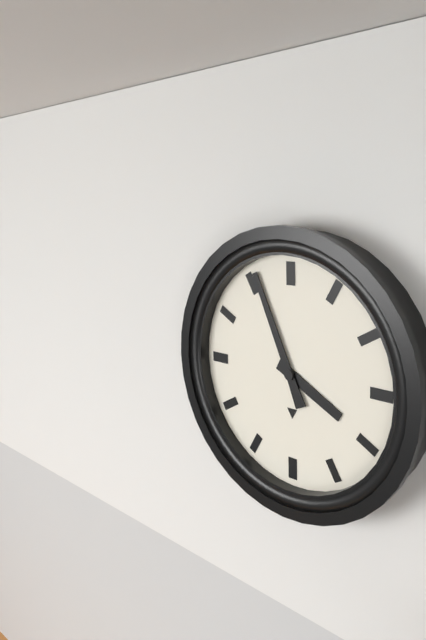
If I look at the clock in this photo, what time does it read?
3:56
